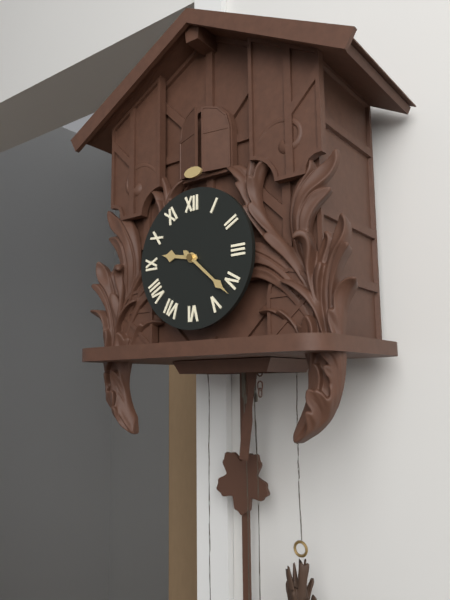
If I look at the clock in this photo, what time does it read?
9:22
